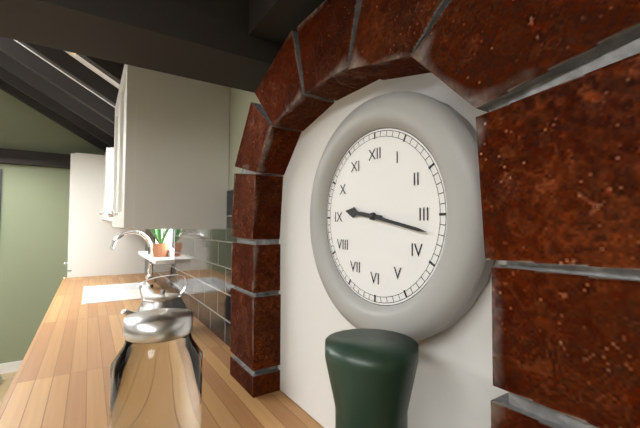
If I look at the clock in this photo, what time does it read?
9:17
